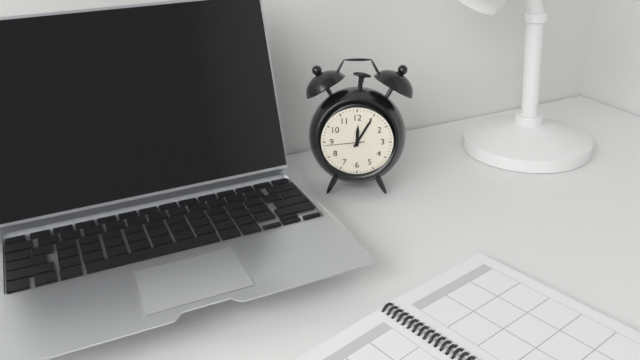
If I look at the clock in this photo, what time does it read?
12:05
